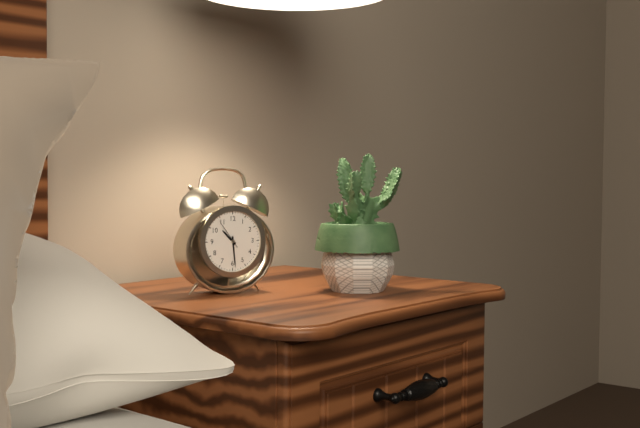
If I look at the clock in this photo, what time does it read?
10:29
